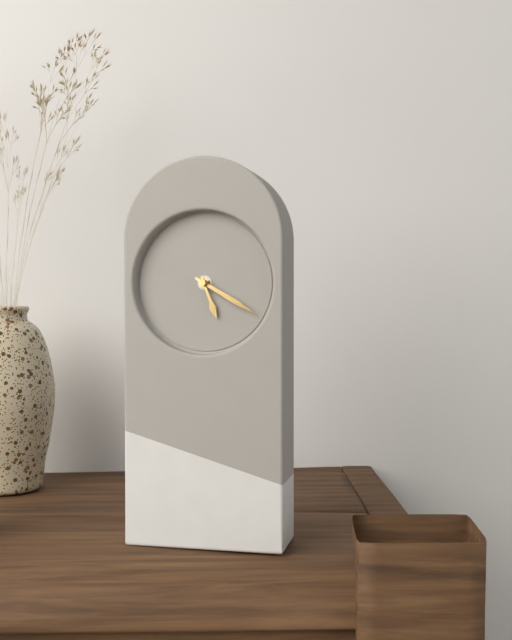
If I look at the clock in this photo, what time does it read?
5:20
